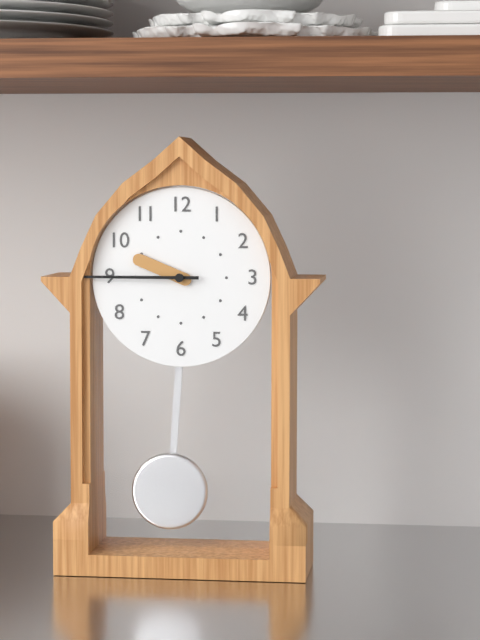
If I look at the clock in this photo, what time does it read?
9:45
